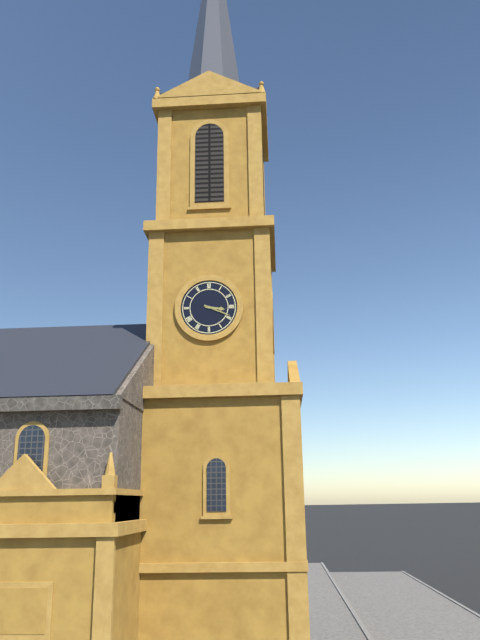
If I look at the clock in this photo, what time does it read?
3:19
